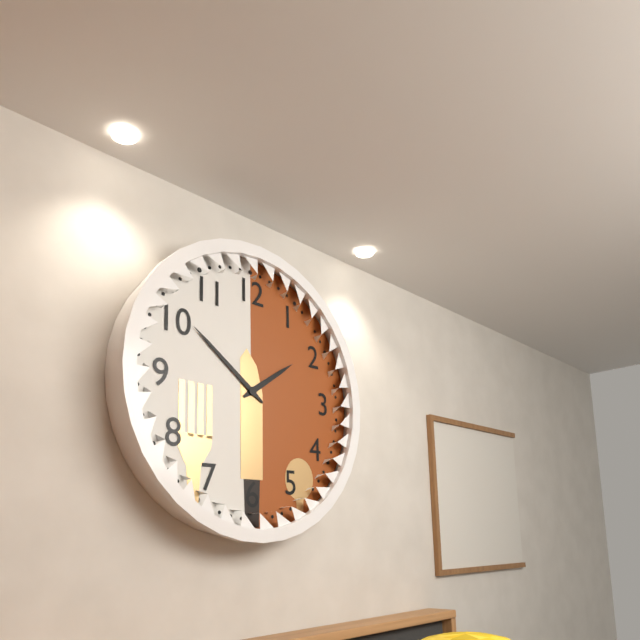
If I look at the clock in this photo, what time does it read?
1:51
